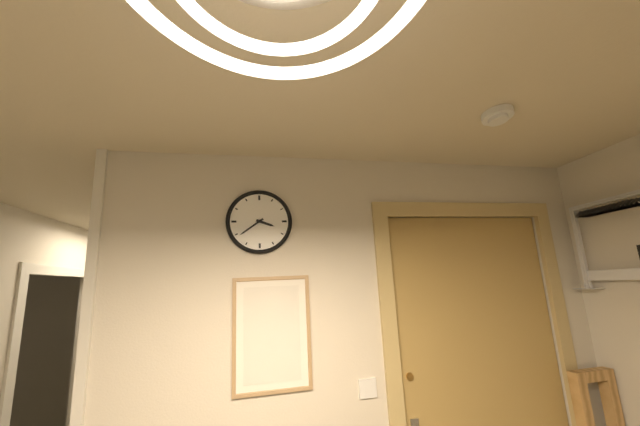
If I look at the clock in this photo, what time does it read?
3:39
